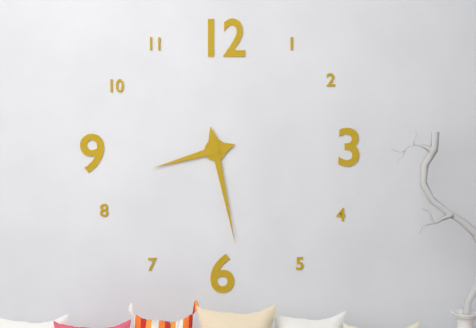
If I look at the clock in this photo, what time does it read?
8:28
